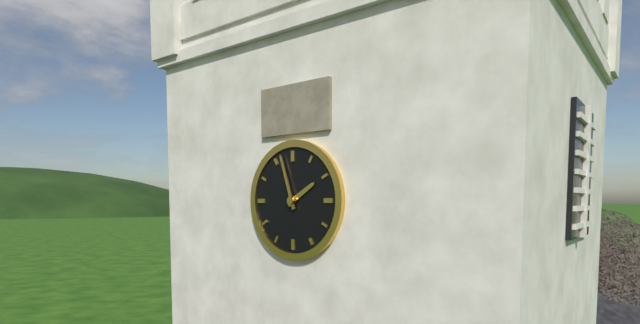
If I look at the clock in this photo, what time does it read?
1:57
